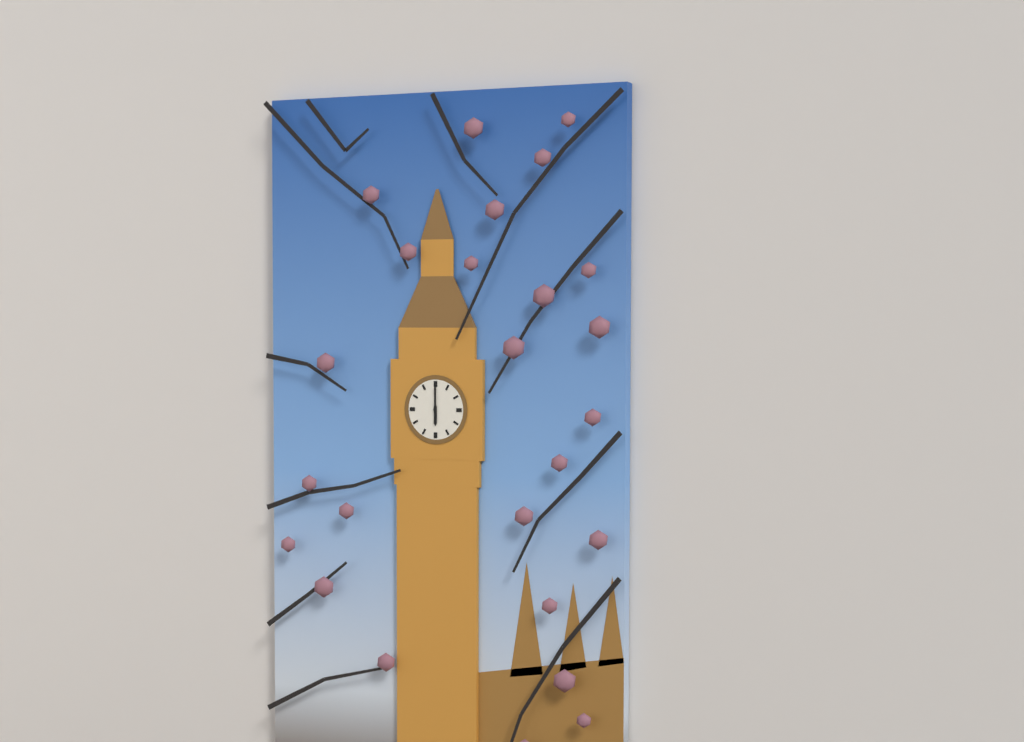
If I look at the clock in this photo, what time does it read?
6:00
